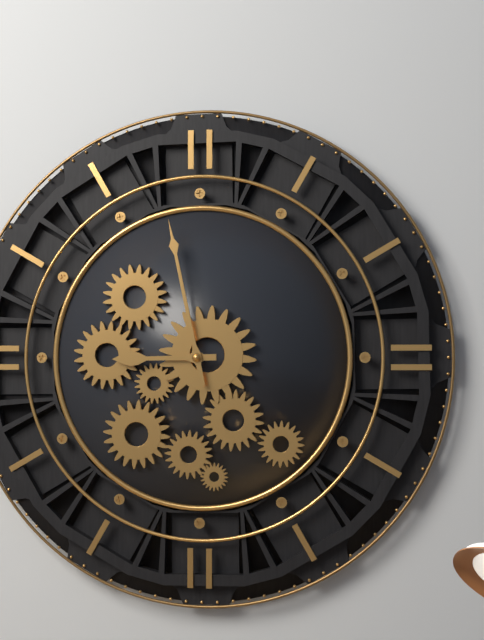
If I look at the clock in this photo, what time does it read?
8:58
